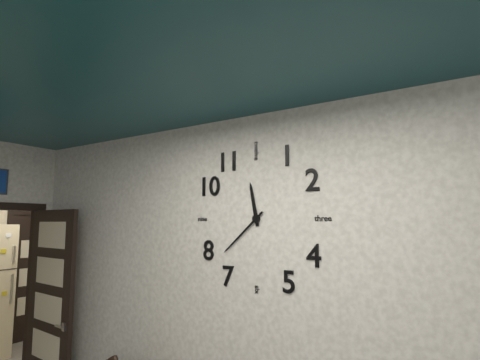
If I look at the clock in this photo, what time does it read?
11:38
